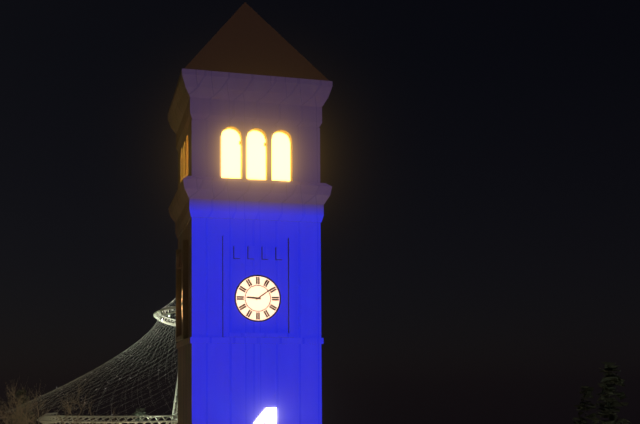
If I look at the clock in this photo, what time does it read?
9:09
